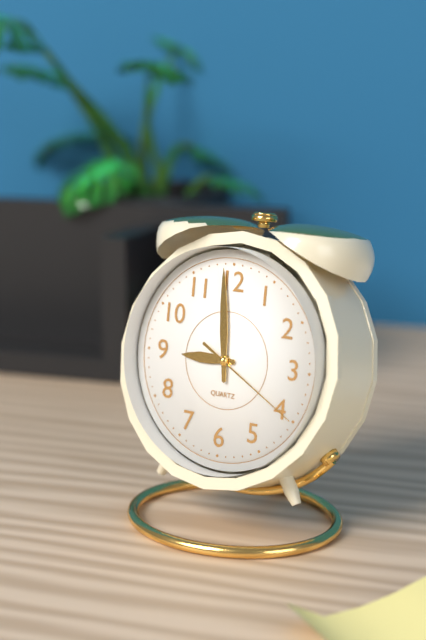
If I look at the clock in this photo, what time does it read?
8:59:20
